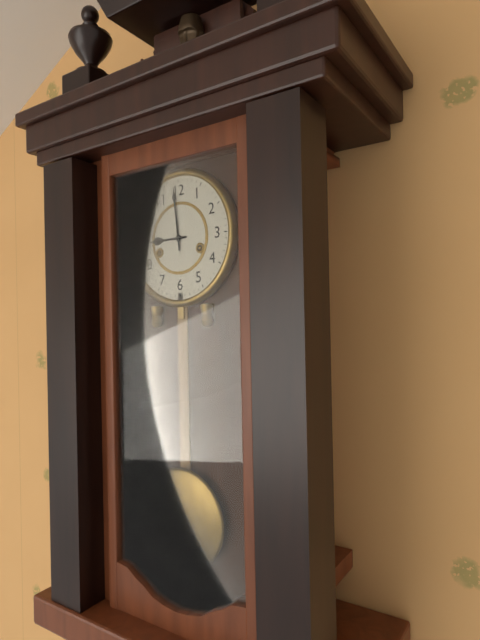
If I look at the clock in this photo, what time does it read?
8:59
